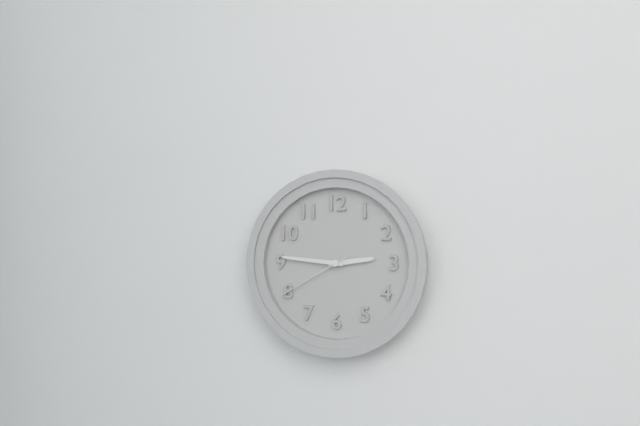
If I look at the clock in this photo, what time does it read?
2:46:40
